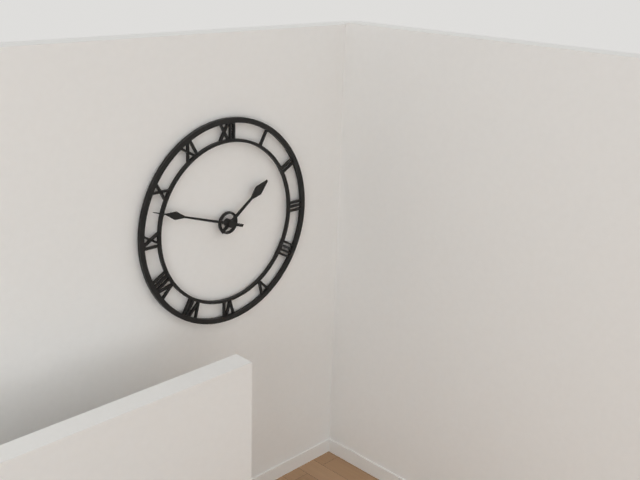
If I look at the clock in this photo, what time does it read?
1:48
